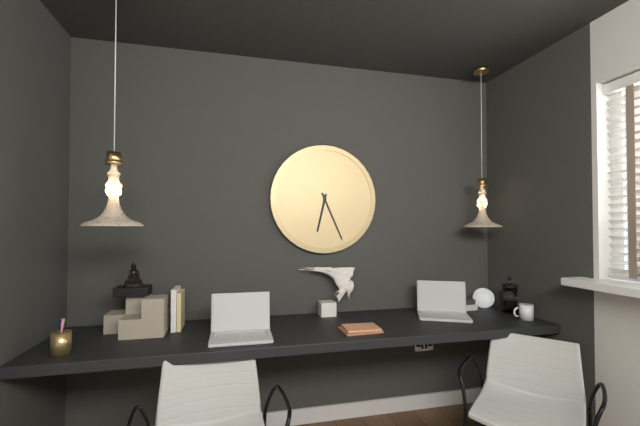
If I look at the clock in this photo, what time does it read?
6:26
